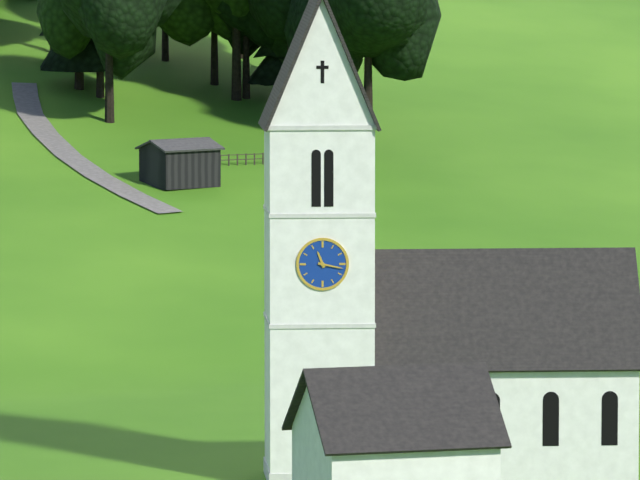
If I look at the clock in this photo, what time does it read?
11:17
